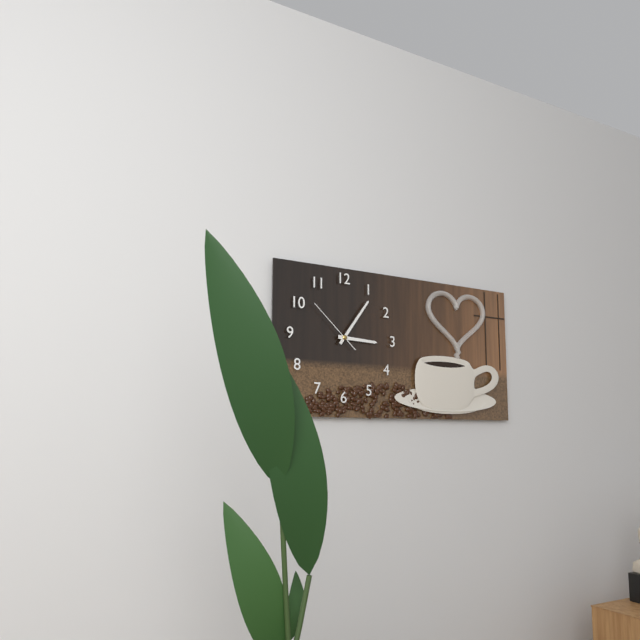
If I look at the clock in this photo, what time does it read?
3:06:52
